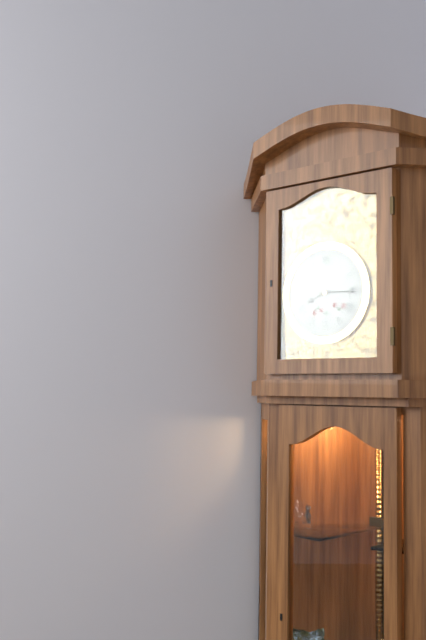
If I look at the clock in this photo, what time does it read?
8:15
